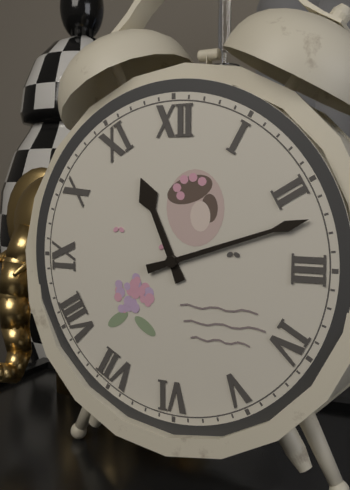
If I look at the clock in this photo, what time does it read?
11:12
